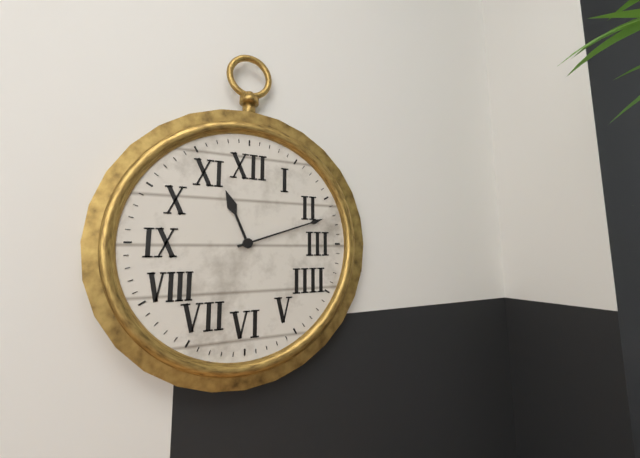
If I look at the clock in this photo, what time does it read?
11:12
